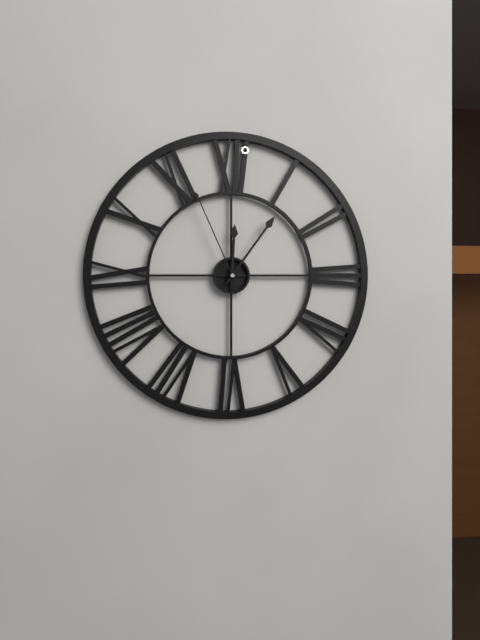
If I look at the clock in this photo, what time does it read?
12:06:56
